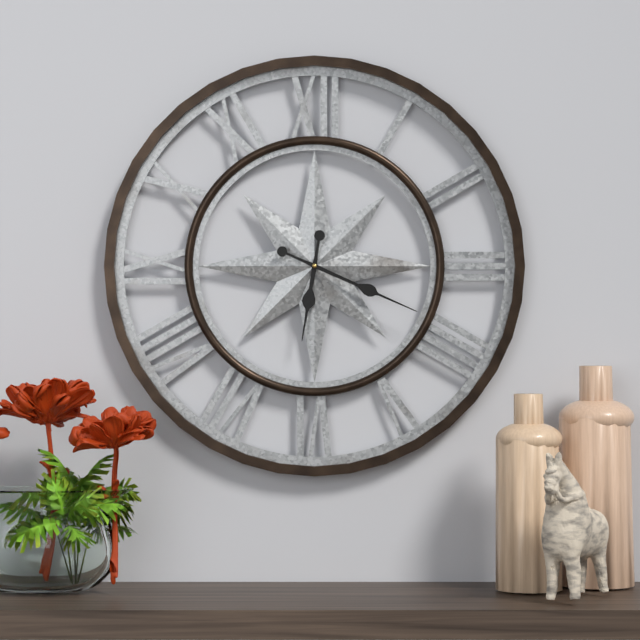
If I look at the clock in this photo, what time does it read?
6:19
